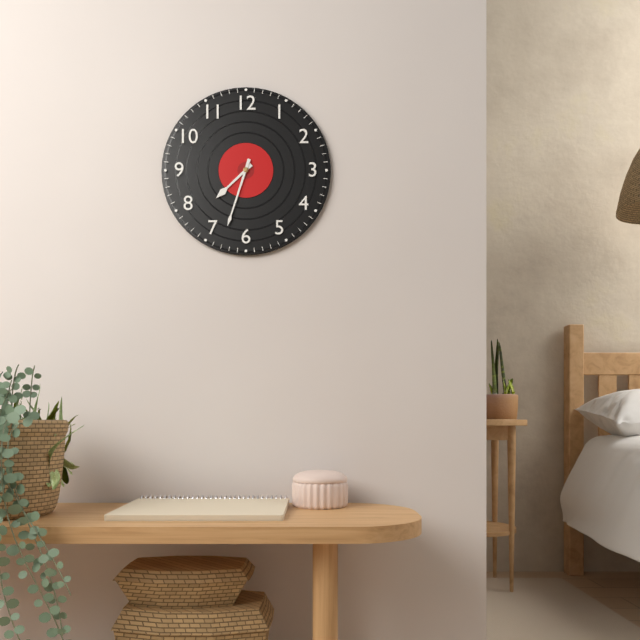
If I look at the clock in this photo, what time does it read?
7:33
